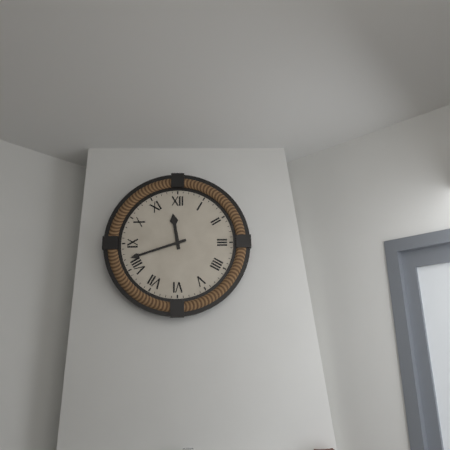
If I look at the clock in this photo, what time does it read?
11:42
